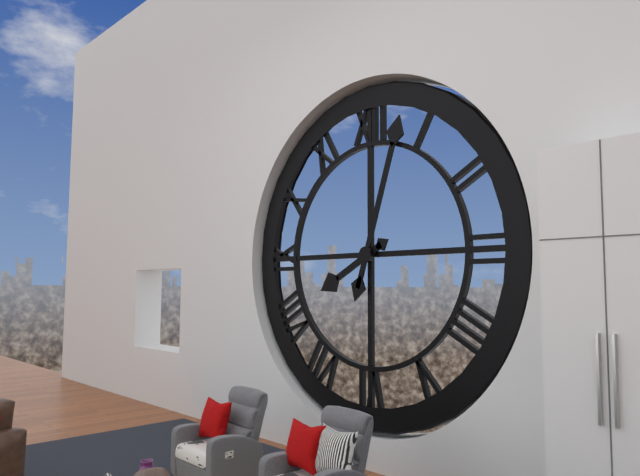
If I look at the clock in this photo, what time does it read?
8:03
